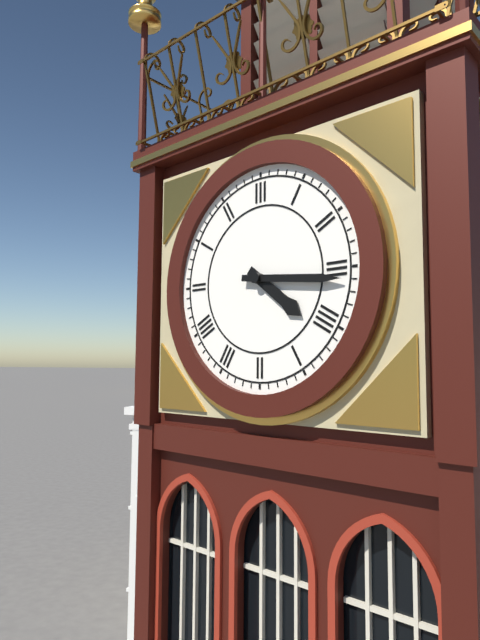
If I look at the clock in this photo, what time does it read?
4:16
